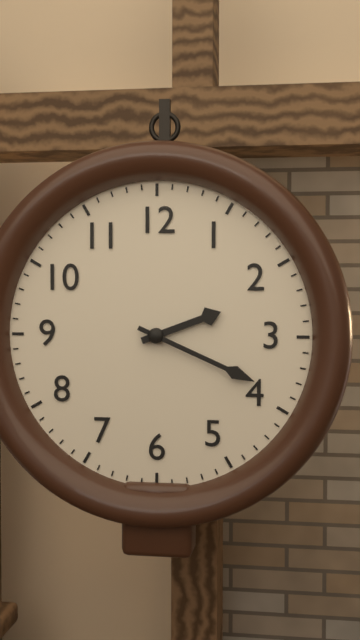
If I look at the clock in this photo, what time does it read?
2:19
